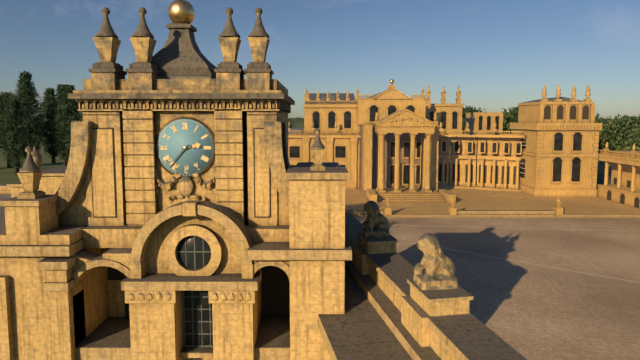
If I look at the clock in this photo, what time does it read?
2:37
